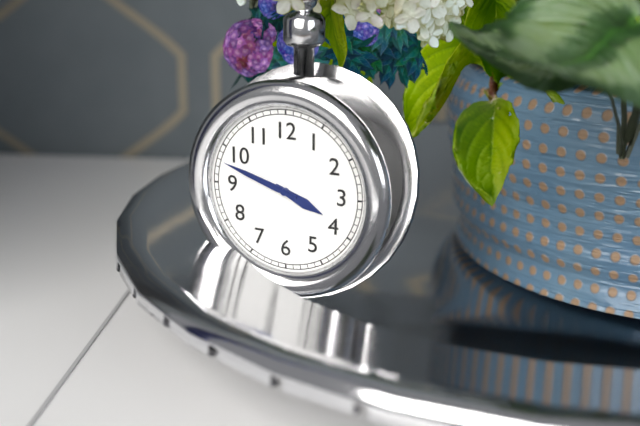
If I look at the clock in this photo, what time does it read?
3:48
